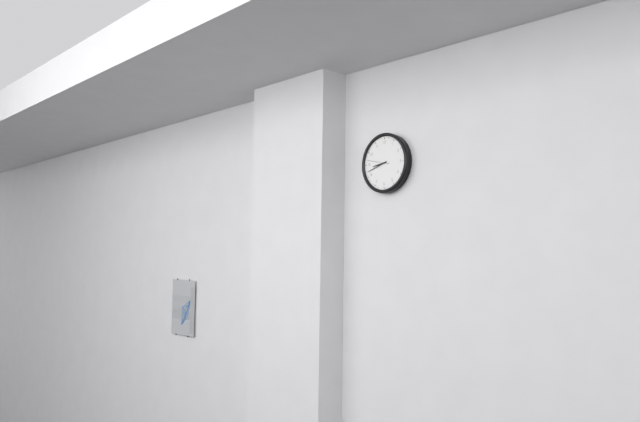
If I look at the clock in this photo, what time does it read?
8:42
